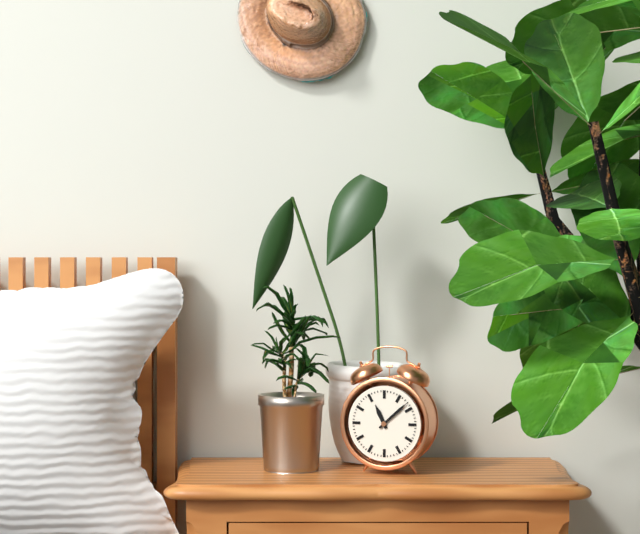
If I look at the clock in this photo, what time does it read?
11:08
